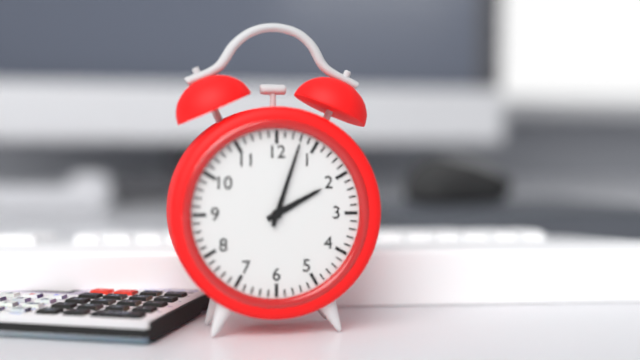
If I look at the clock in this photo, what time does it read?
2:03
